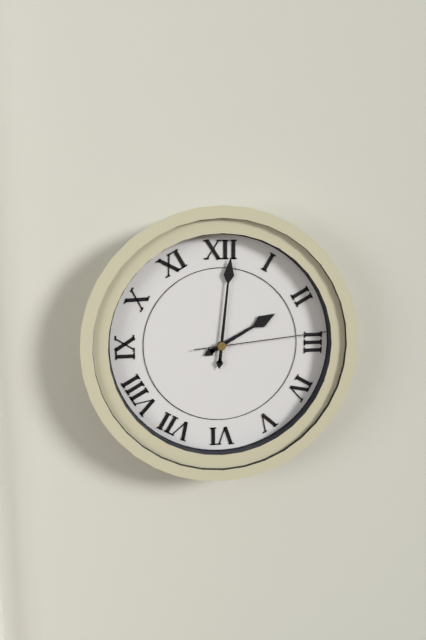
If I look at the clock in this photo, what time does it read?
2:01:14
